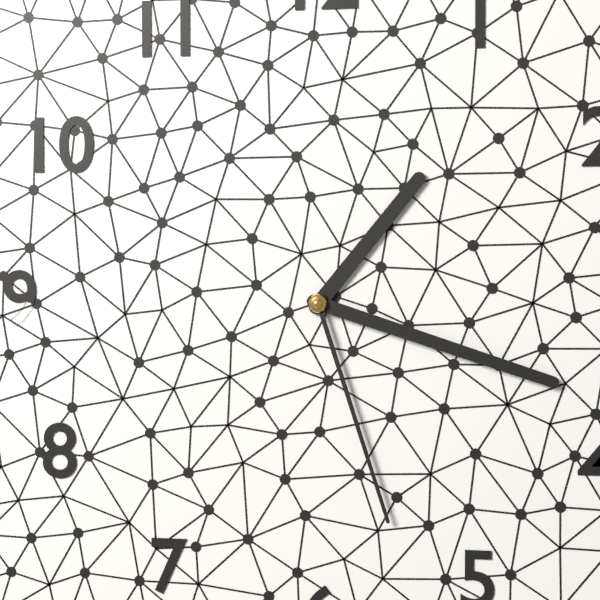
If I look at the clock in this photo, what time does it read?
1:18:27
